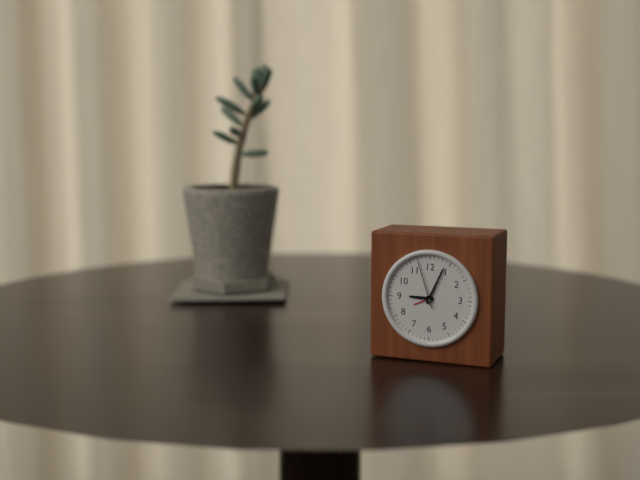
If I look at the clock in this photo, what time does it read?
9:04:57
